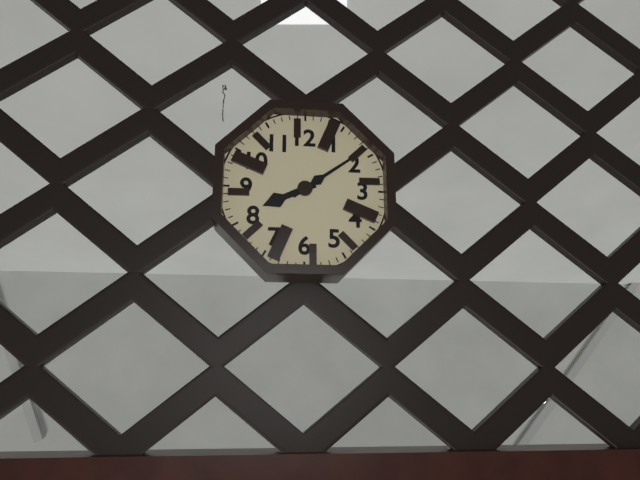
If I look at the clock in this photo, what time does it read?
8:09
